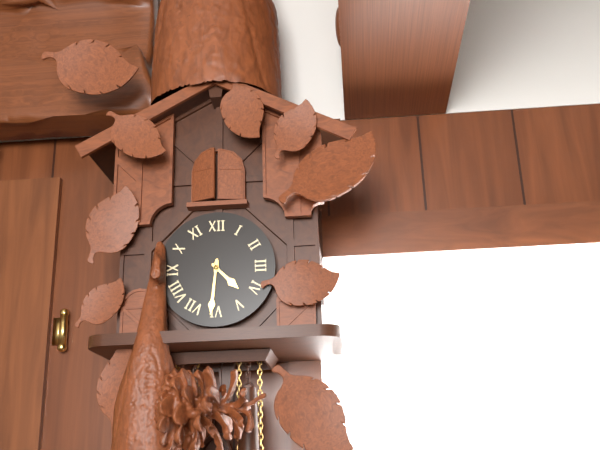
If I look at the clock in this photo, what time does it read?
4:31
